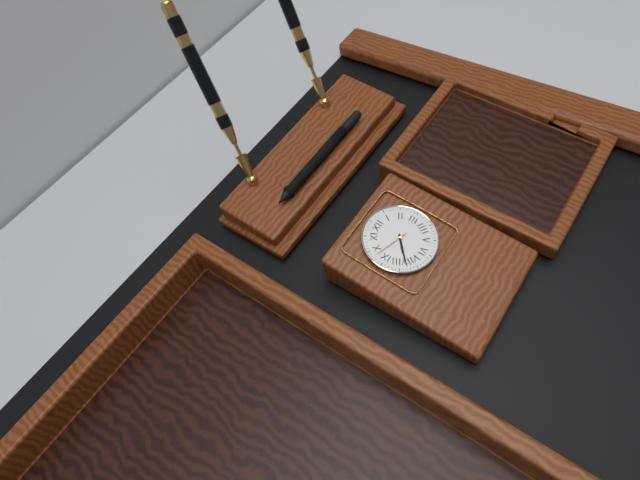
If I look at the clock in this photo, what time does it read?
7:38
